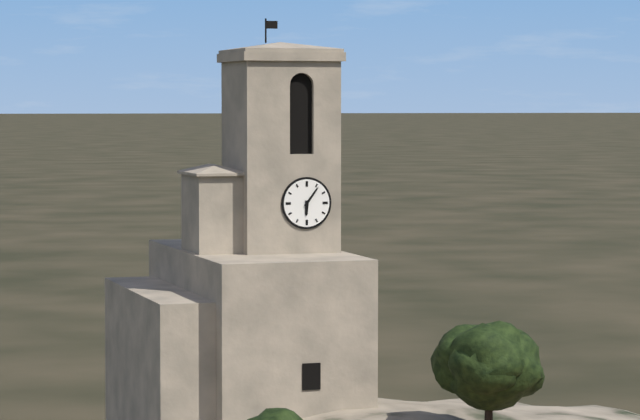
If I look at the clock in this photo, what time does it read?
6:06
